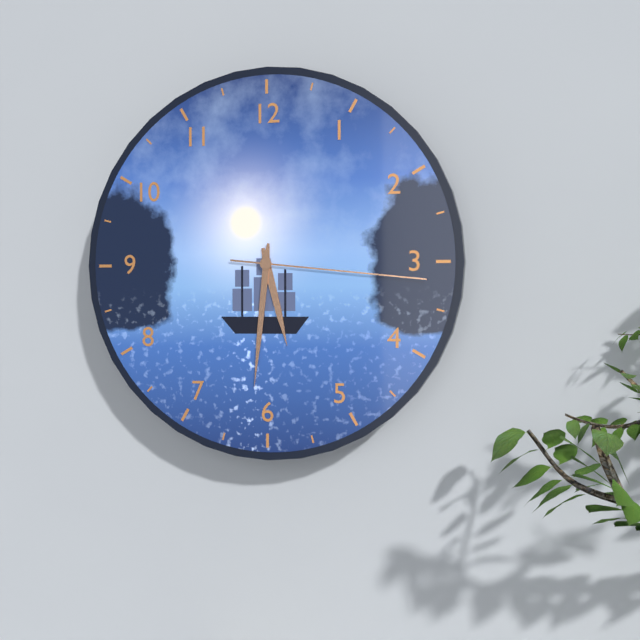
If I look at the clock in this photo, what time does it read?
5:31:16
